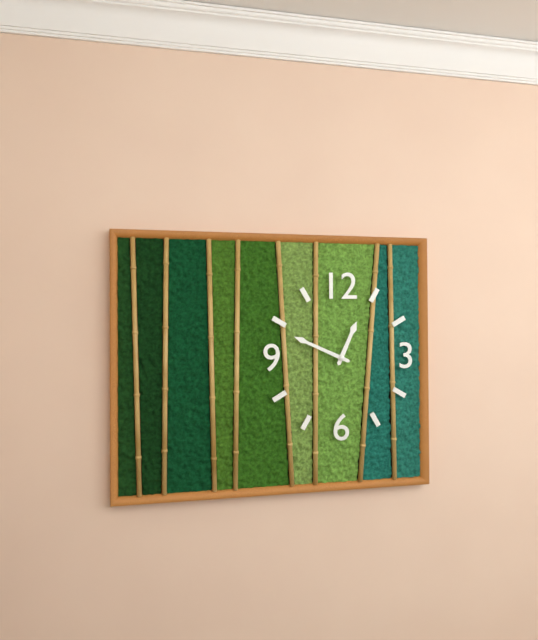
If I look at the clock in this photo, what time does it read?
12:49
